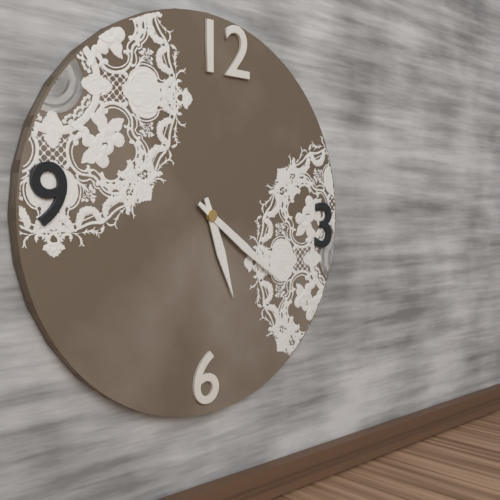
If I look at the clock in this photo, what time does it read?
5:21
